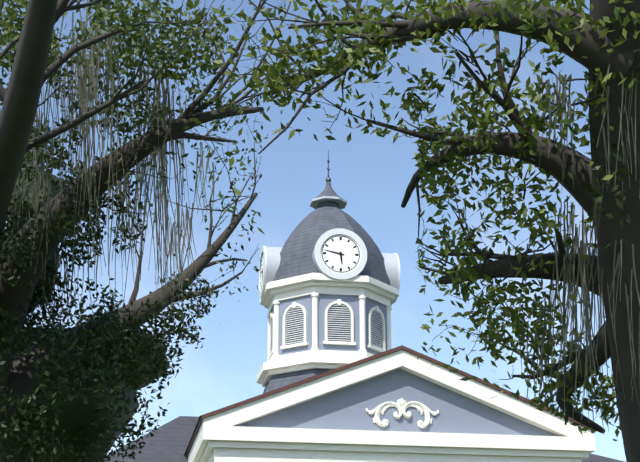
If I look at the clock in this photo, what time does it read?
5:47
